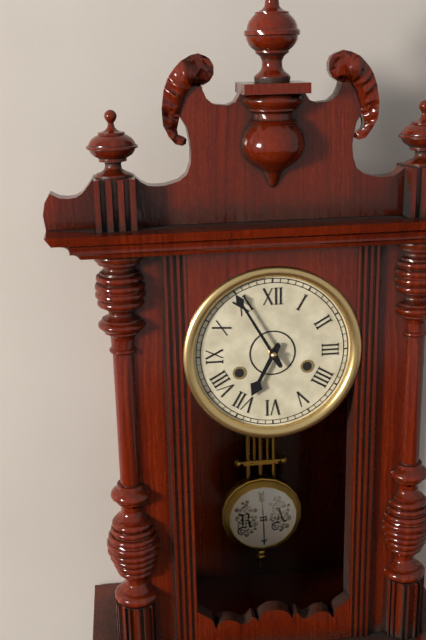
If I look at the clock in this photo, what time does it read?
6:55
